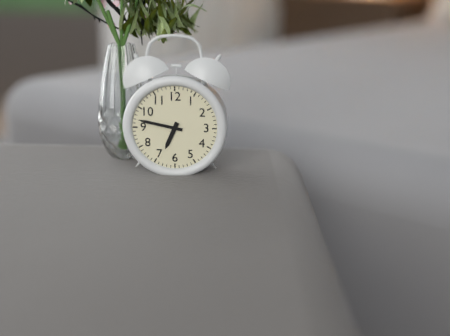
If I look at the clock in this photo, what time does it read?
6:47
